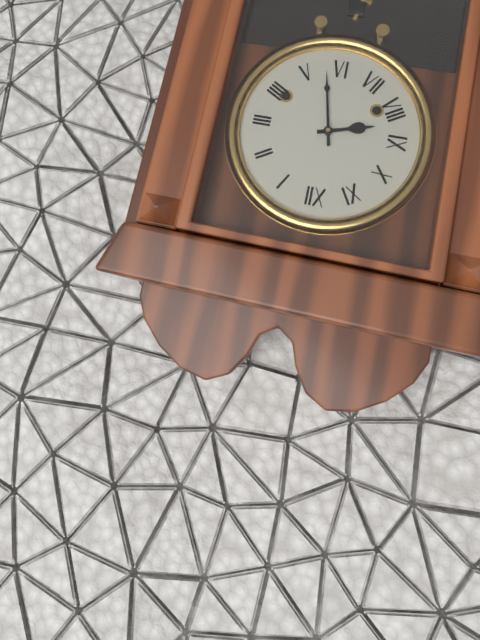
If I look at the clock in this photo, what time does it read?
8:28
